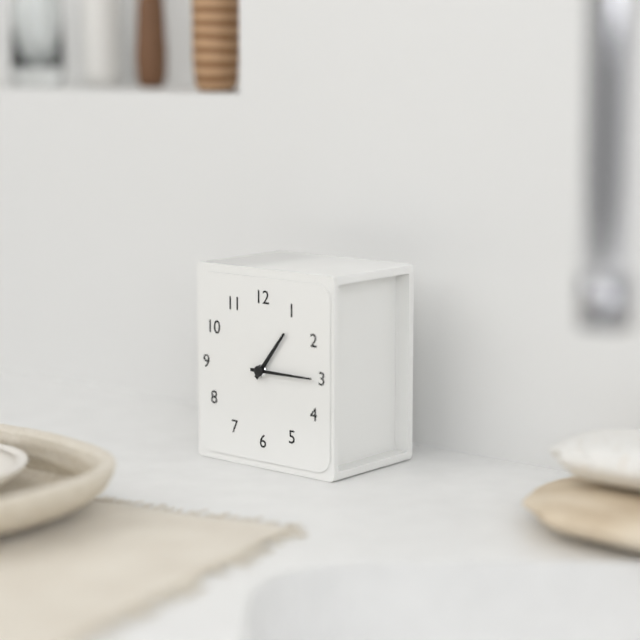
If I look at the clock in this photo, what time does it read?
1:15
